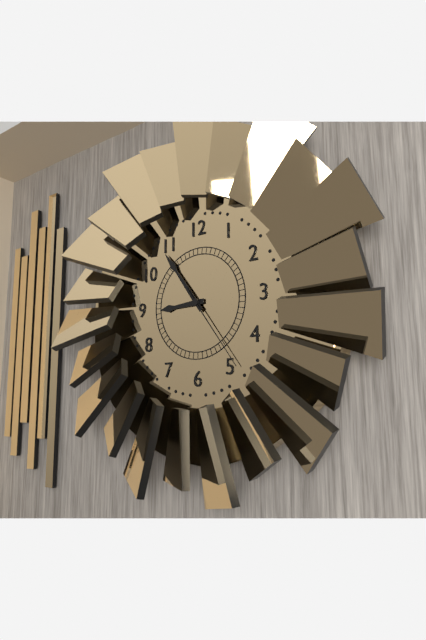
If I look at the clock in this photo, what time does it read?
8:54:24
